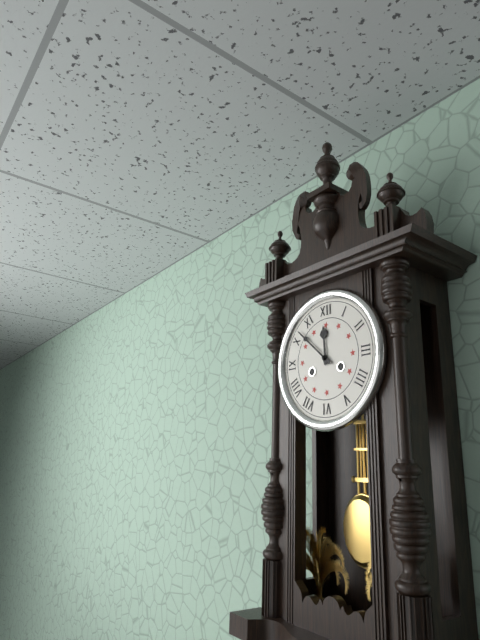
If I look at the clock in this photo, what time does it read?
11:52
